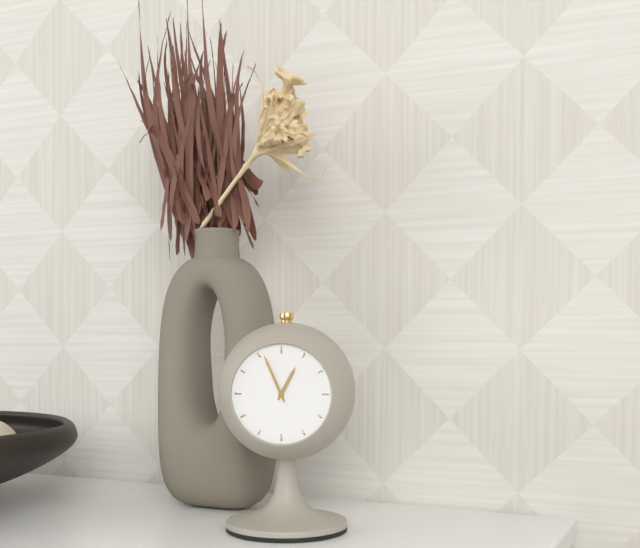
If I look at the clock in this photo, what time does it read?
12:56
